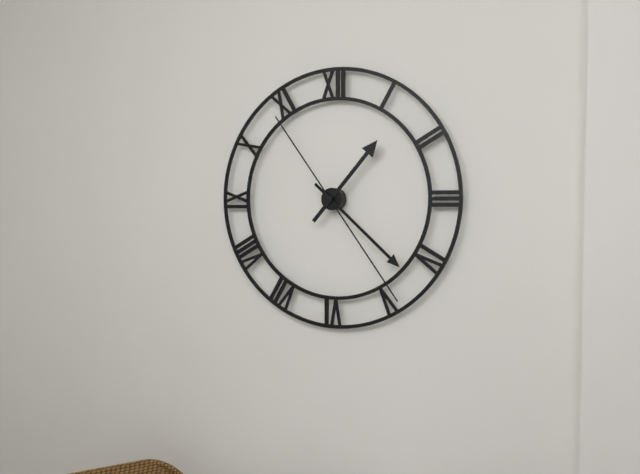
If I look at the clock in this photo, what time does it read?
1:22:24
